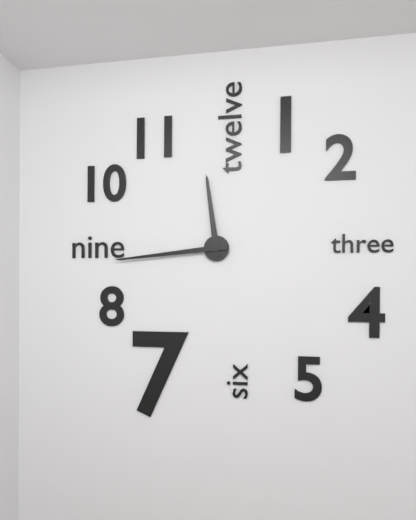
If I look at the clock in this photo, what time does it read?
11:44
